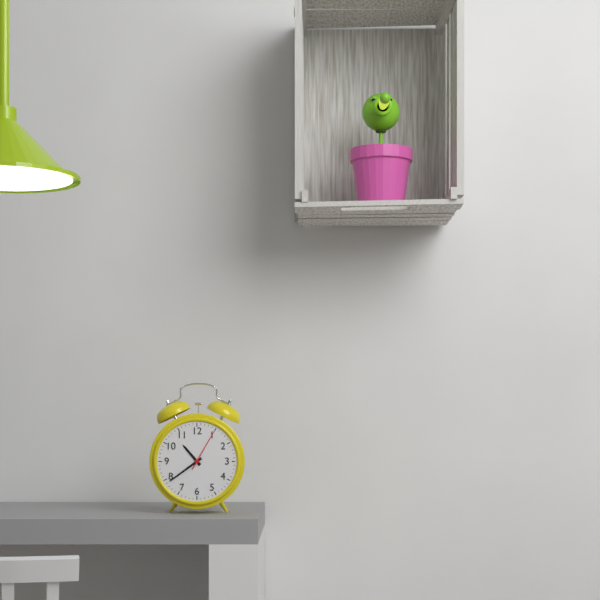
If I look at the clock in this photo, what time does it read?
10:39
